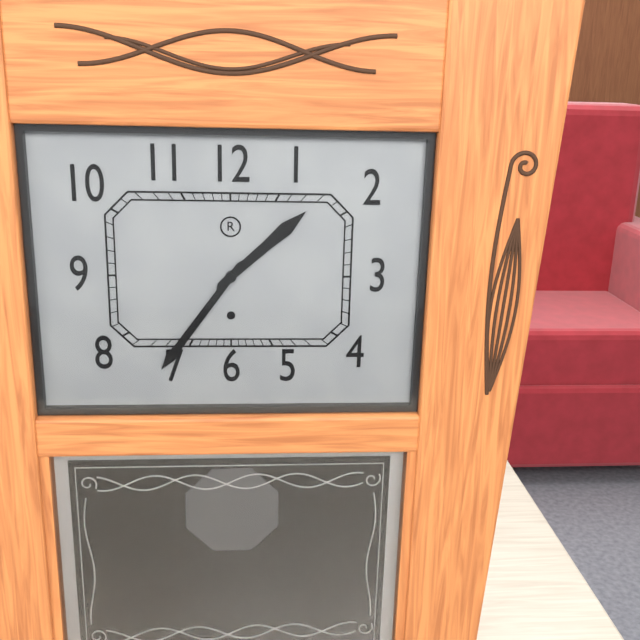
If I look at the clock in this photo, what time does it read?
1:36
